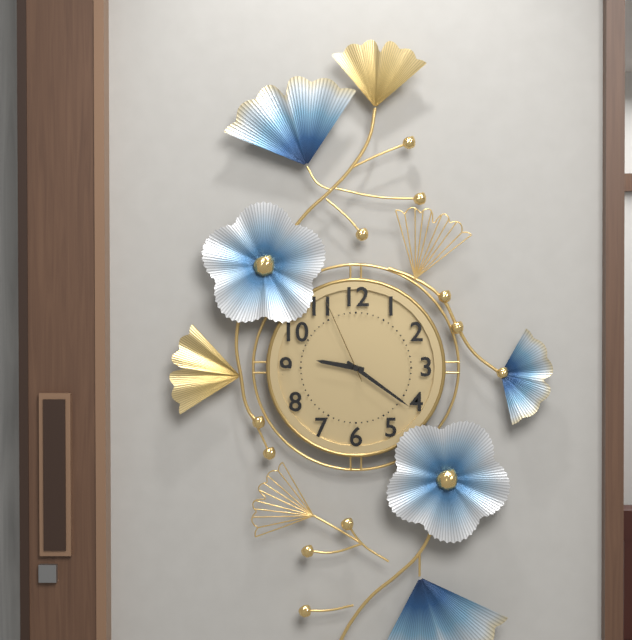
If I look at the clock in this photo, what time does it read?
9:21:56
